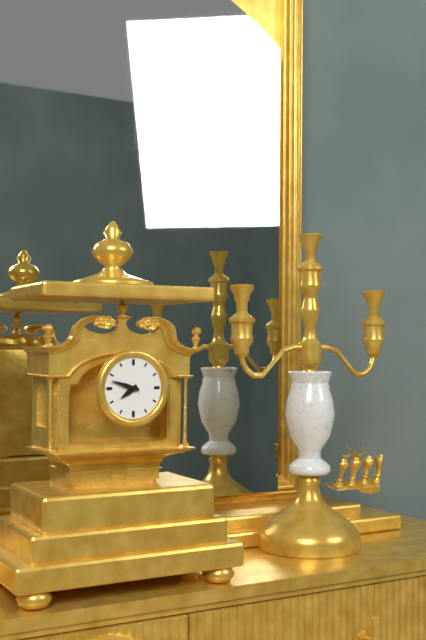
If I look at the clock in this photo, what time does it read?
7:48
